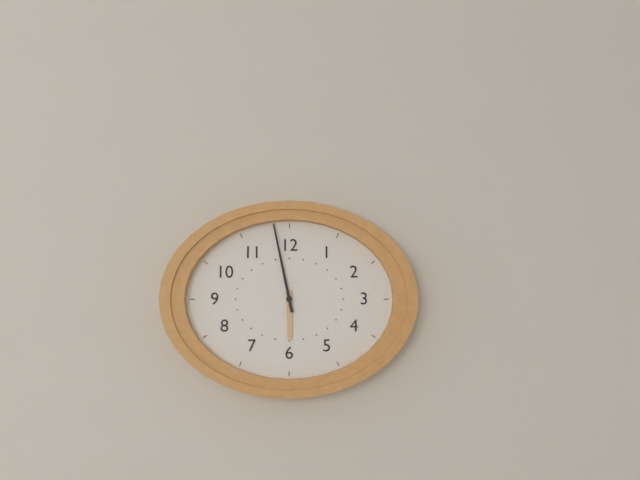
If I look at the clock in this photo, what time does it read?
5:58
